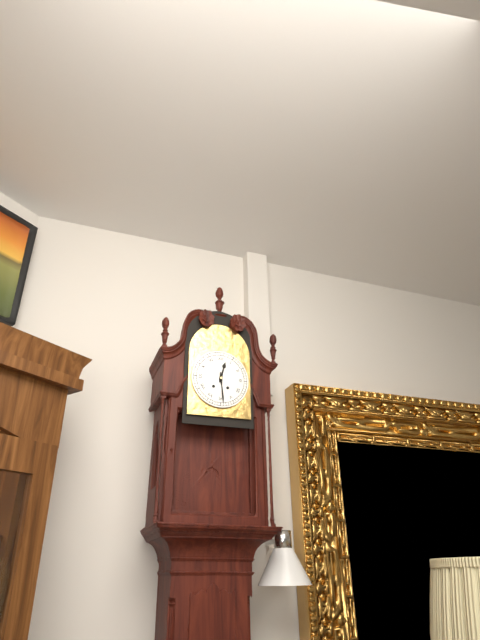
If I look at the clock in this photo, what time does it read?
12:29
